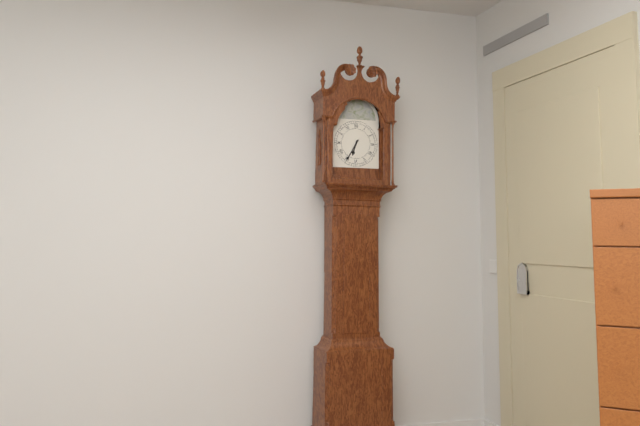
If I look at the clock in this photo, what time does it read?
6:35
